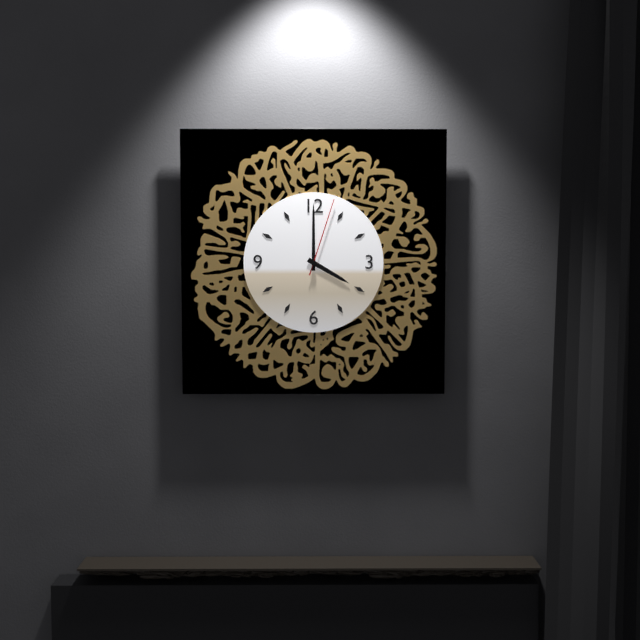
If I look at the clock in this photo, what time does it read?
4:00:03
